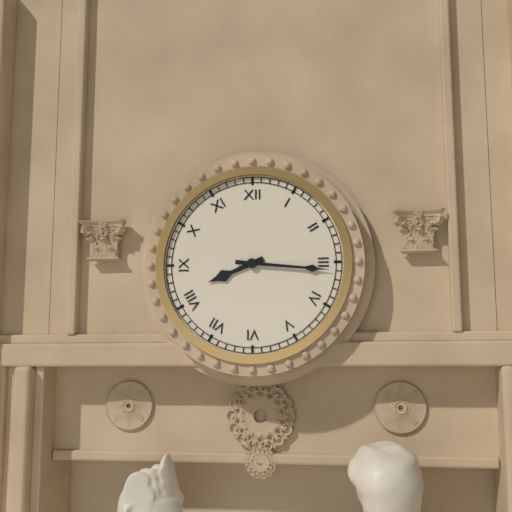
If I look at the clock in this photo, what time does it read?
8:16
